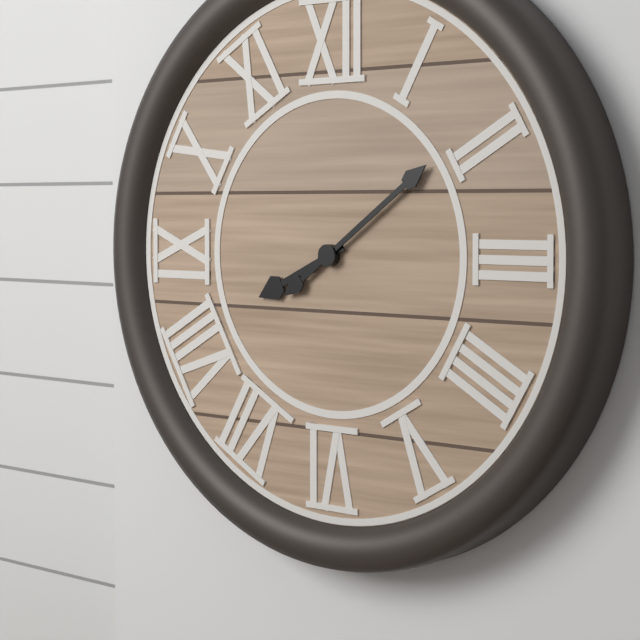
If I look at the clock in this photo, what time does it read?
8:09
